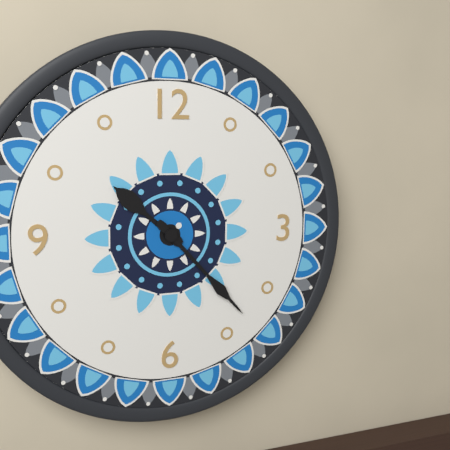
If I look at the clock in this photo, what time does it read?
10:23
